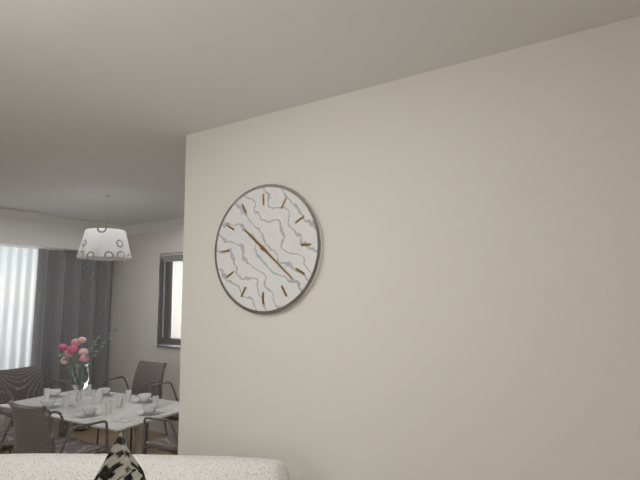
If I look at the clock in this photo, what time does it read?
10:22
